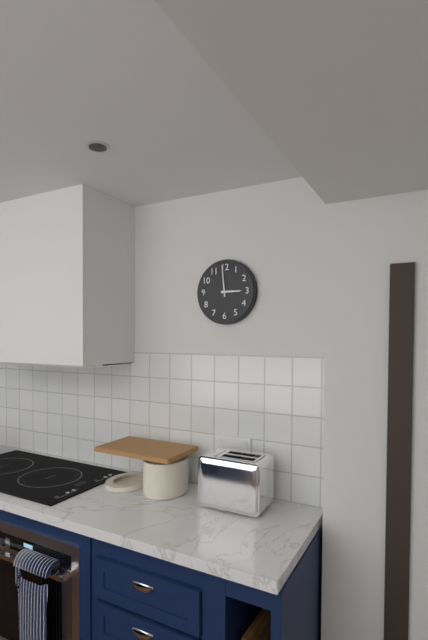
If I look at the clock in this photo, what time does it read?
2:59
